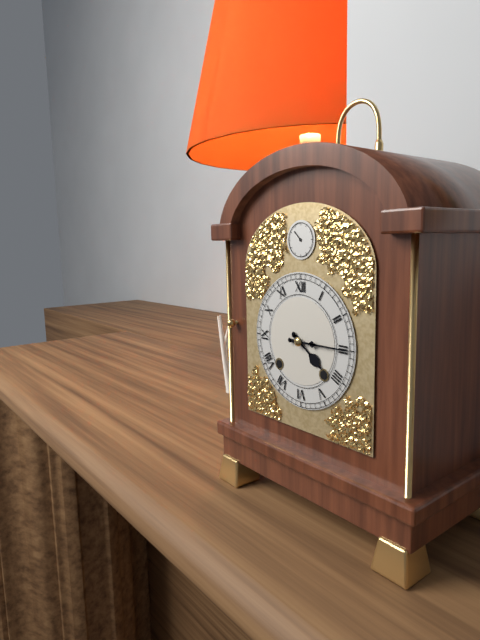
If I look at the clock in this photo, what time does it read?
4:15
